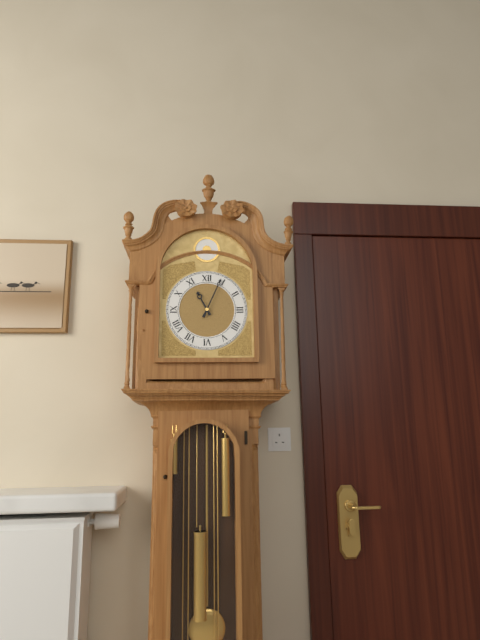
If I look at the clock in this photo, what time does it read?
11:04
